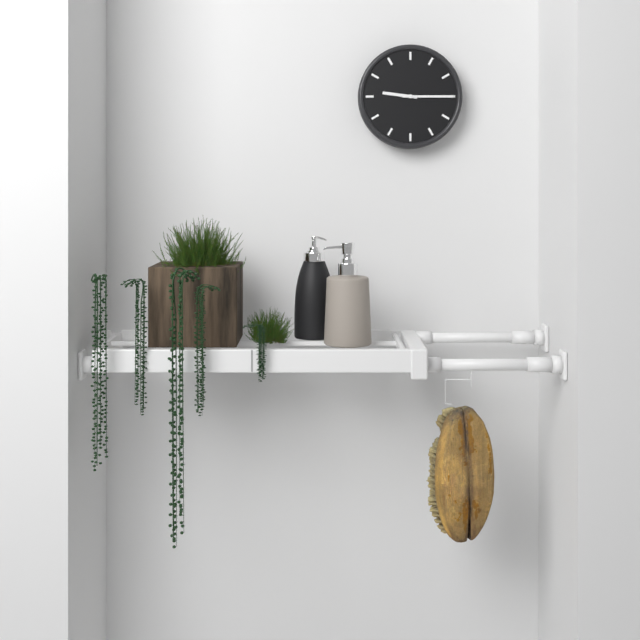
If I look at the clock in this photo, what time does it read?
9:15
